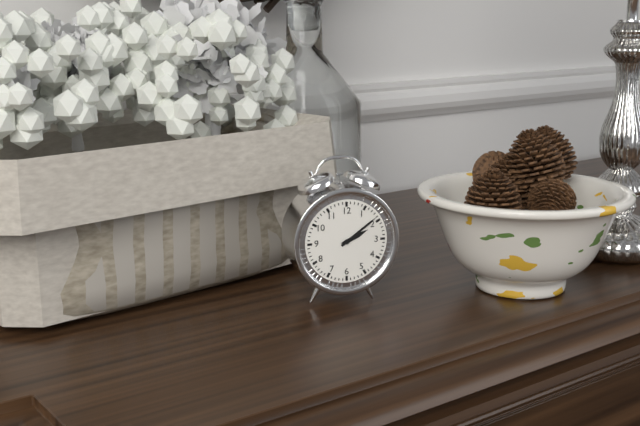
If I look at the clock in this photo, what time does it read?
2:09
